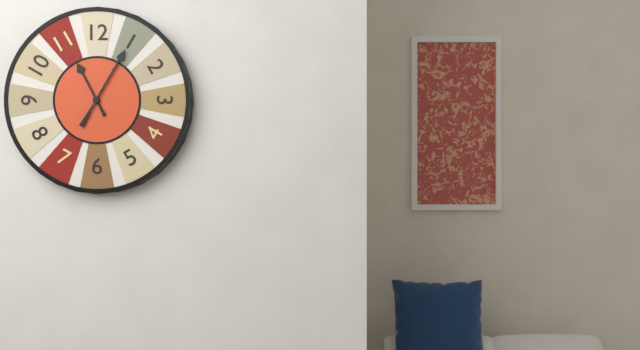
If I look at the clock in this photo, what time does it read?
11:05
